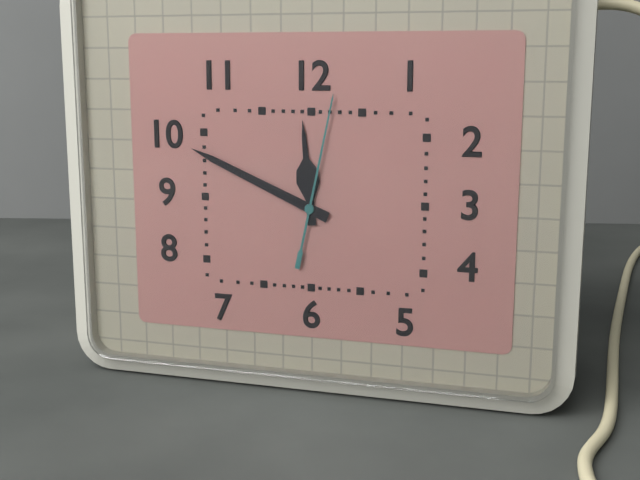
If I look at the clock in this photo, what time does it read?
11:49:02
